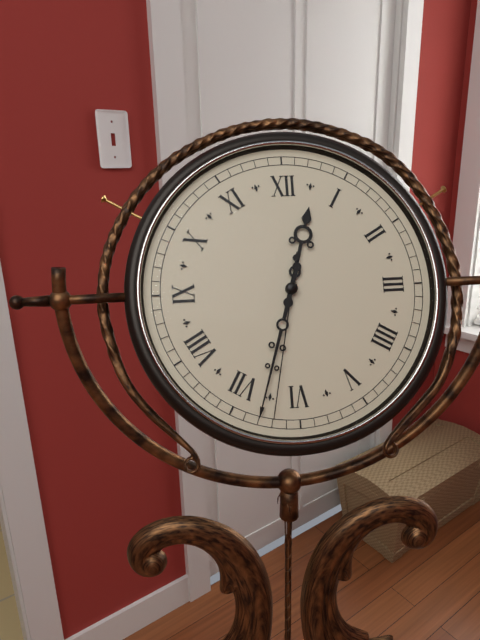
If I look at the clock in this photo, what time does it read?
12:33:32
